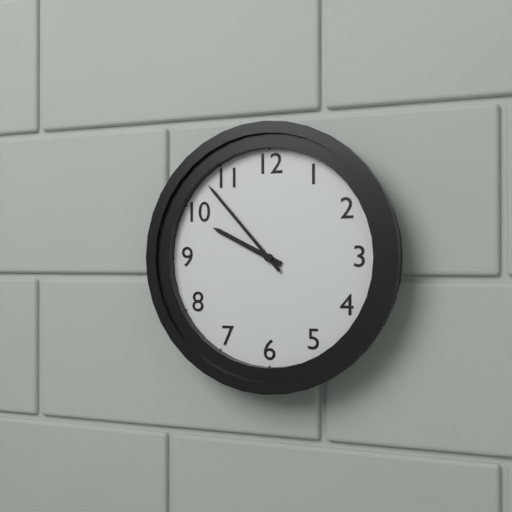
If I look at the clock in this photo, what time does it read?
9:53
